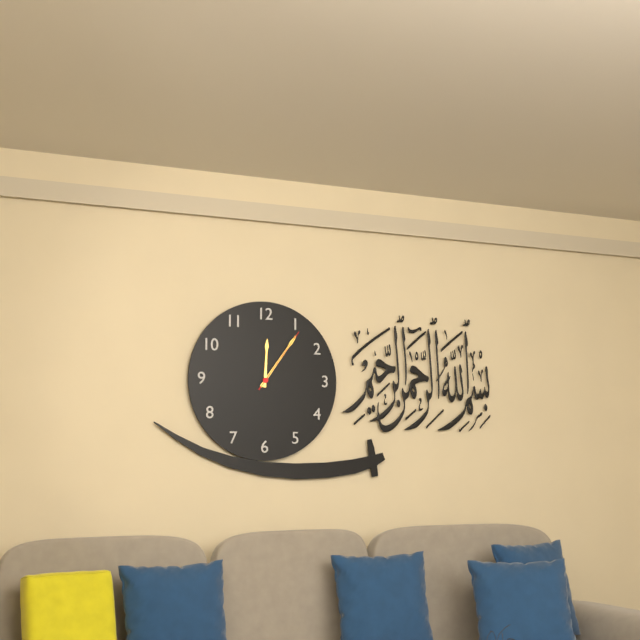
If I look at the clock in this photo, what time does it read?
12:06:06
